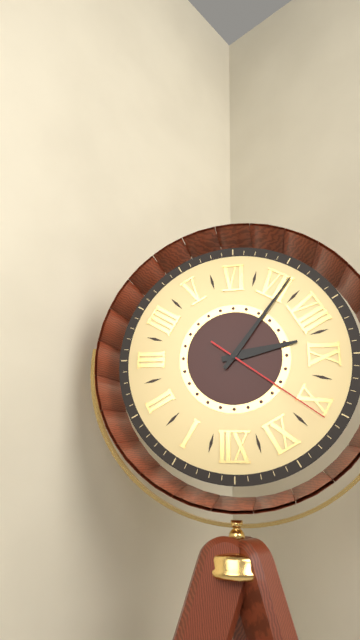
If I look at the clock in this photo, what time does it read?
8:36:51
